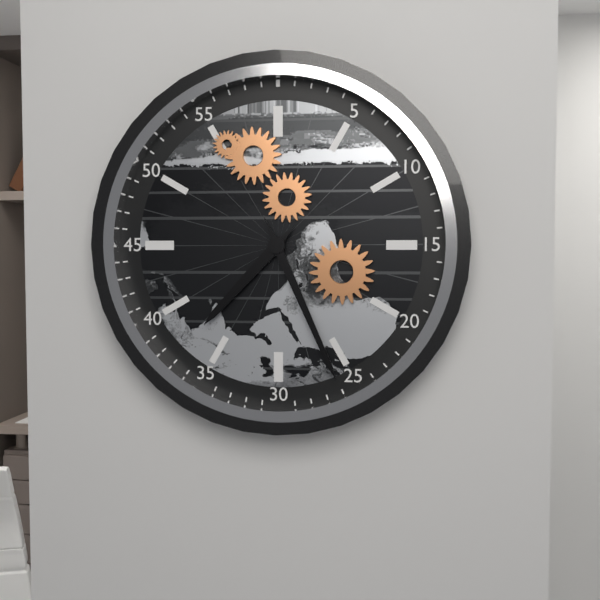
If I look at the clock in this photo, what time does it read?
7:26
